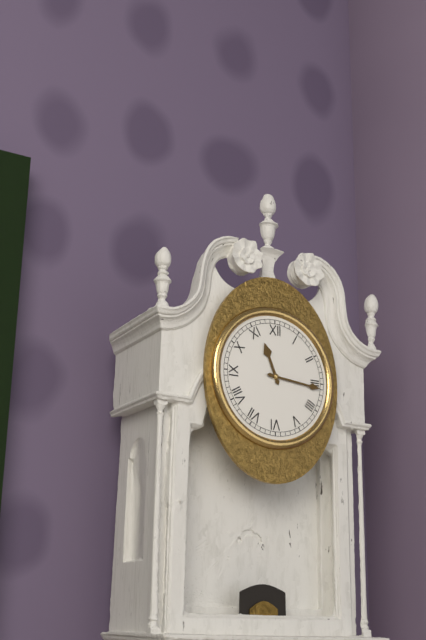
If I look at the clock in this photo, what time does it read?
11:16
